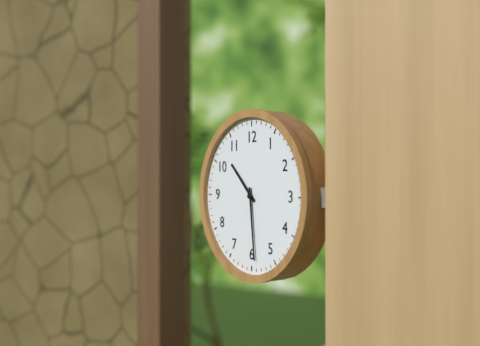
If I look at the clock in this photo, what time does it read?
10:29
